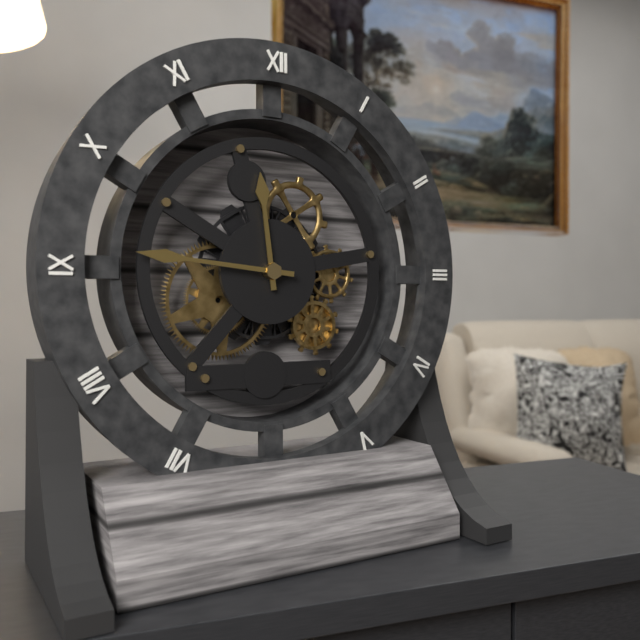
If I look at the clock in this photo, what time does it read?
11:46
